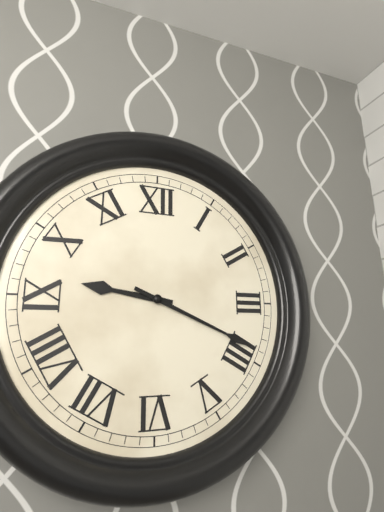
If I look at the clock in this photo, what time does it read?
9:19
